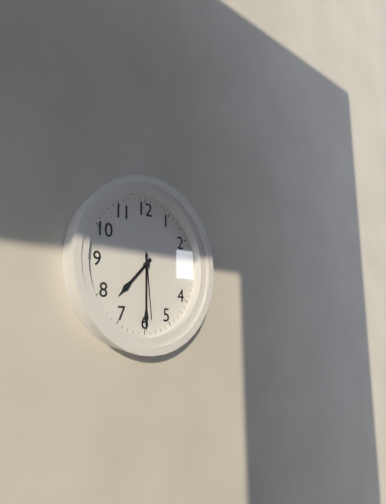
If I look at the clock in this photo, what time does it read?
7:30:29
